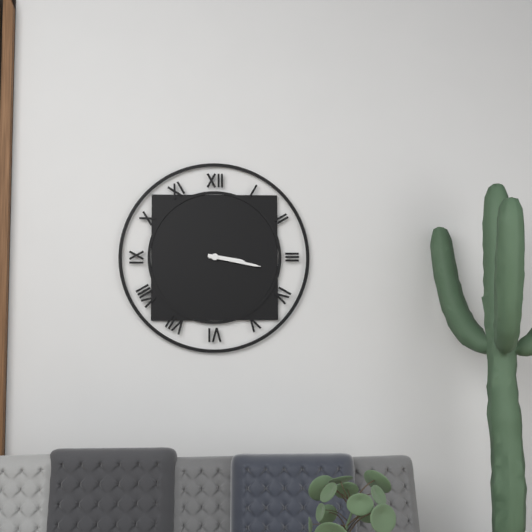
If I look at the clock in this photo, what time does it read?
3:17
